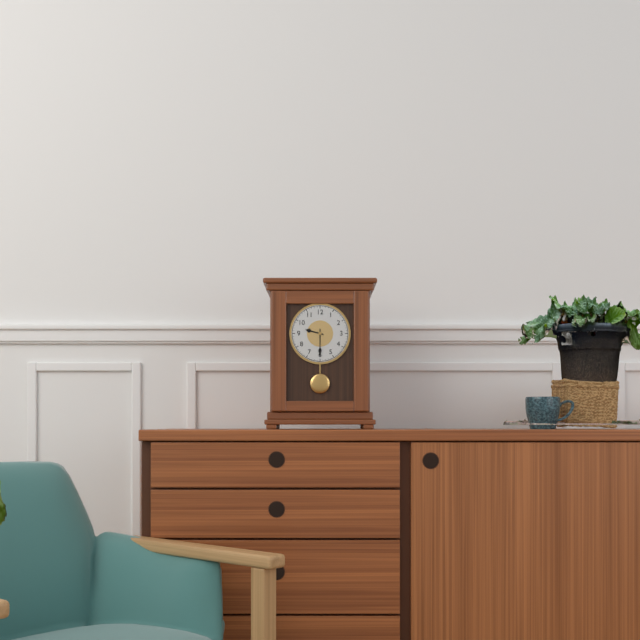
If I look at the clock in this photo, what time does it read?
9:30
